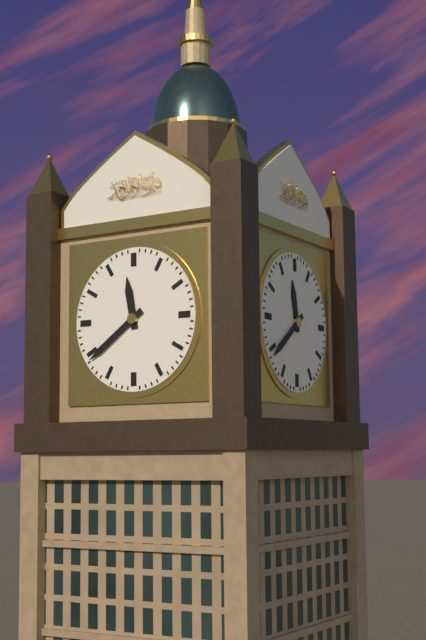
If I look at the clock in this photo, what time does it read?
11:39
